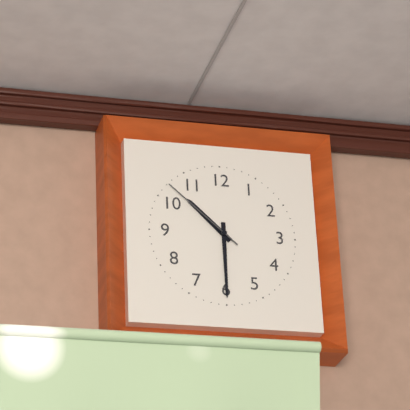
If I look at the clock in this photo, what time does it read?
10:30:52
